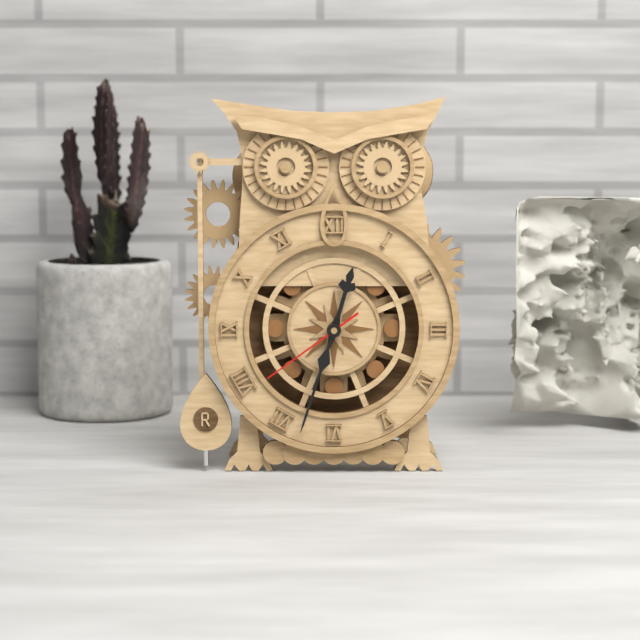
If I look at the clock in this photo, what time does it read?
12:33:39
